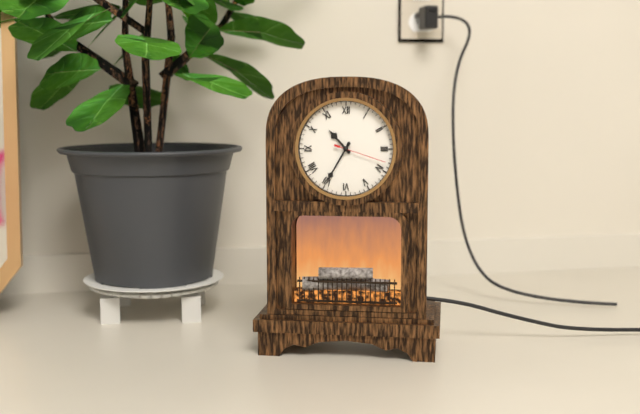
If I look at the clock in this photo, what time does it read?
10:35
